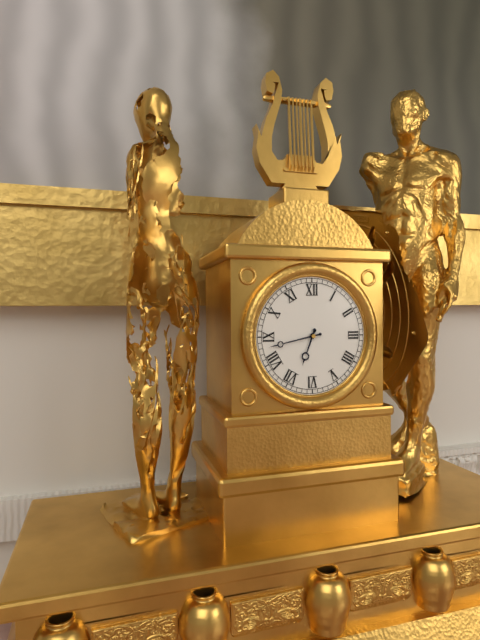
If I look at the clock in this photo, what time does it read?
6:43
